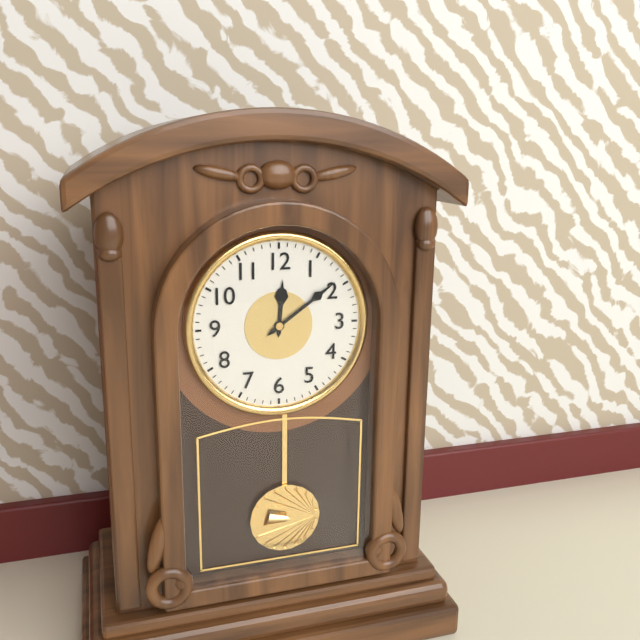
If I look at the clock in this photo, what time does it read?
12:09
